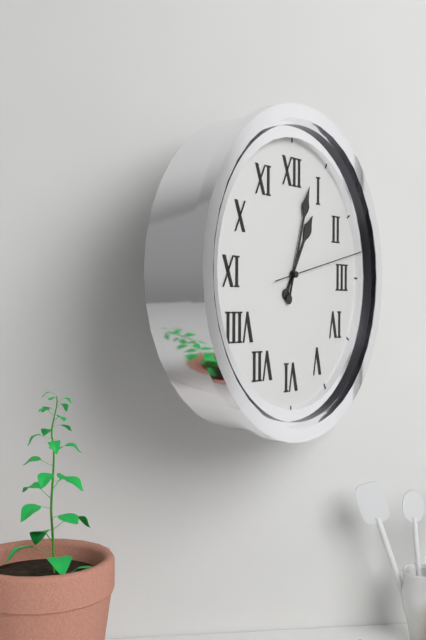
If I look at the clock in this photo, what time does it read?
1:03:13
